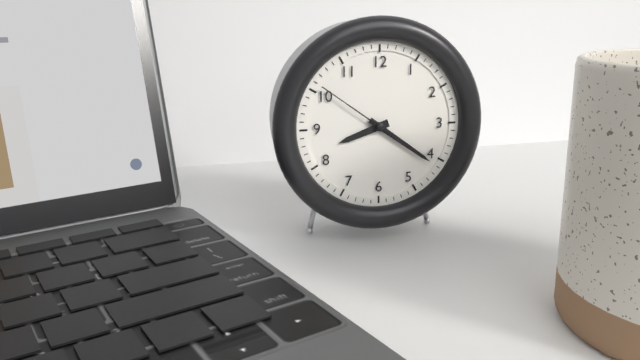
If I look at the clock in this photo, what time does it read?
8:21:51
